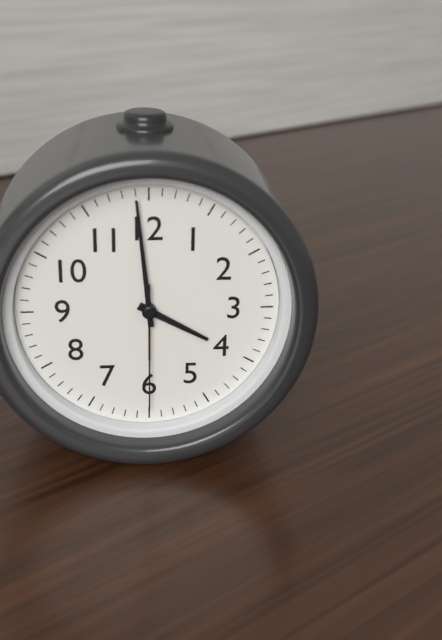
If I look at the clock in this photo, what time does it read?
3:59:30
